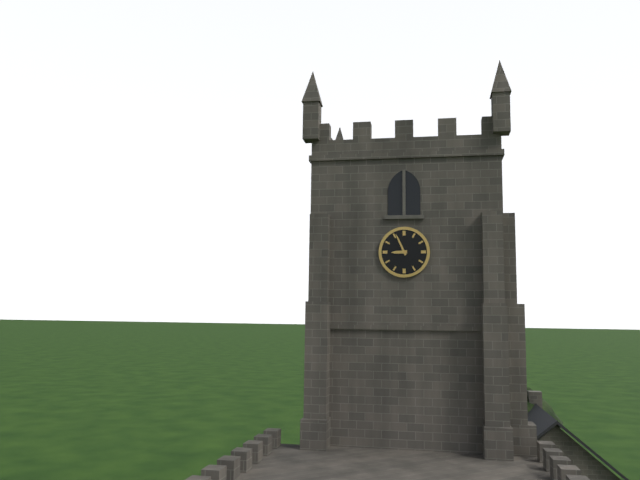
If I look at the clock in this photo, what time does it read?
8:56
